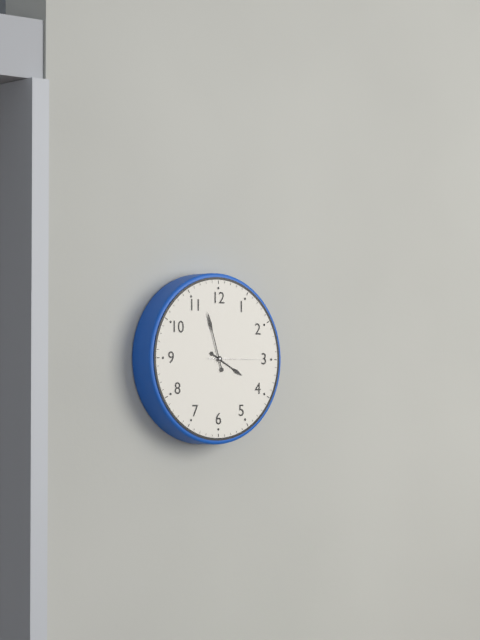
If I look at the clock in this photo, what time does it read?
3:57:15
